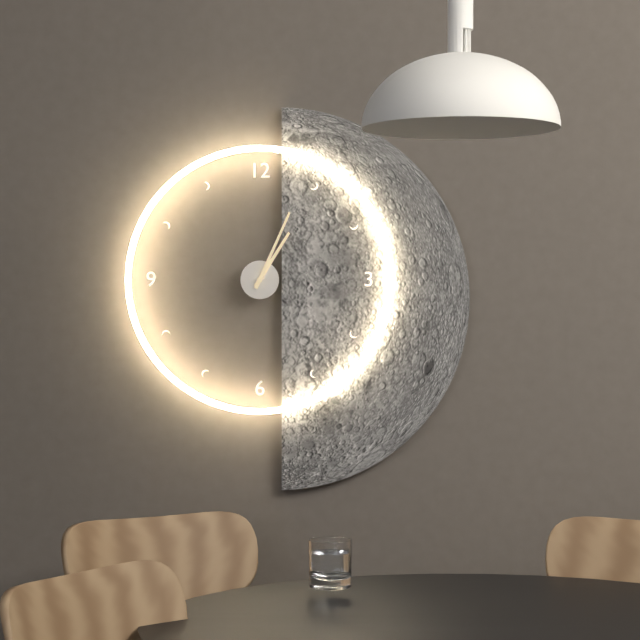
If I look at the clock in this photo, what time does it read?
1:04
